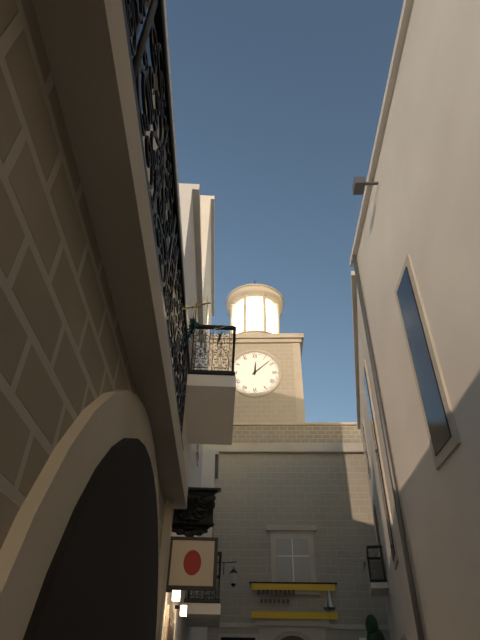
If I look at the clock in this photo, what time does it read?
12:08
